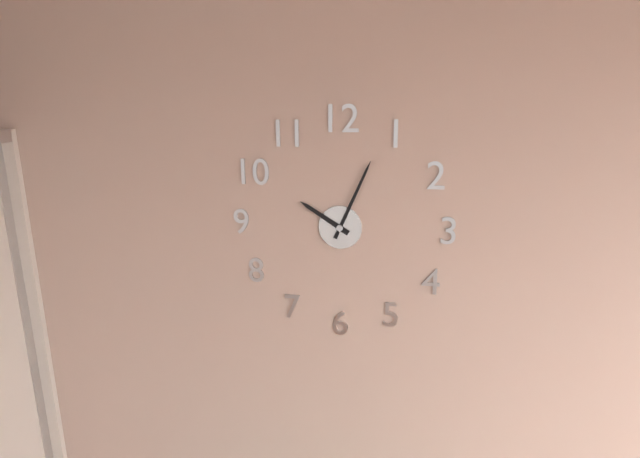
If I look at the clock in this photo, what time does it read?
10:04
